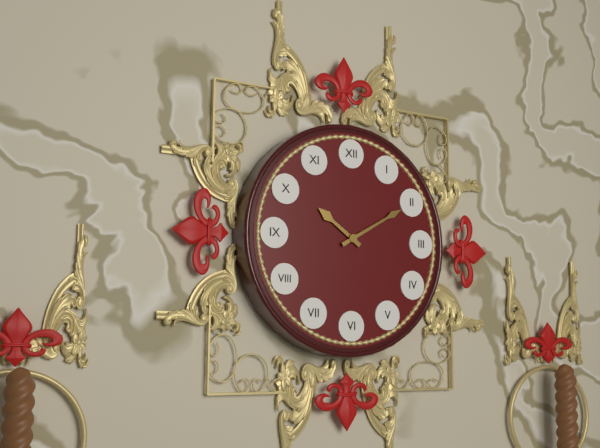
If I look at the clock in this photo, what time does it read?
10:10
